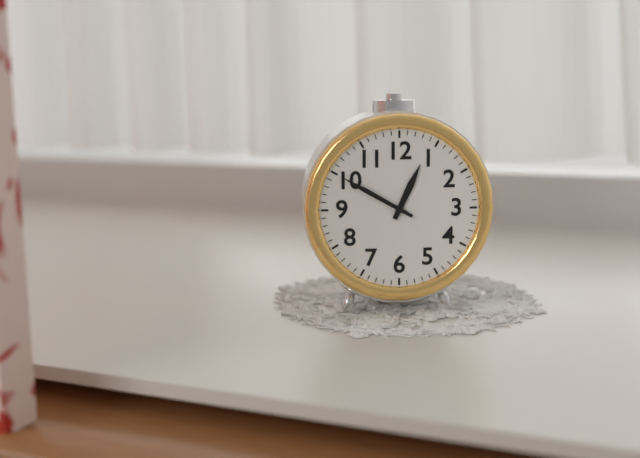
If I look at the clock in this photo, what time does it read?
12:50
